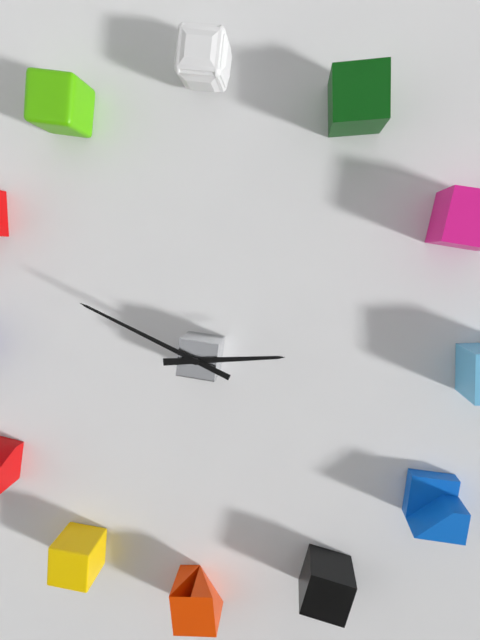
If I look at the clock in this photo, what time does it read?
2:49
